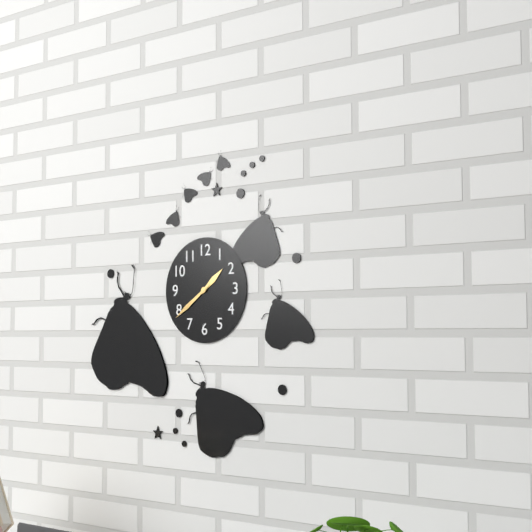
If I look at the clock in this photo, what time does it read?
1:39
